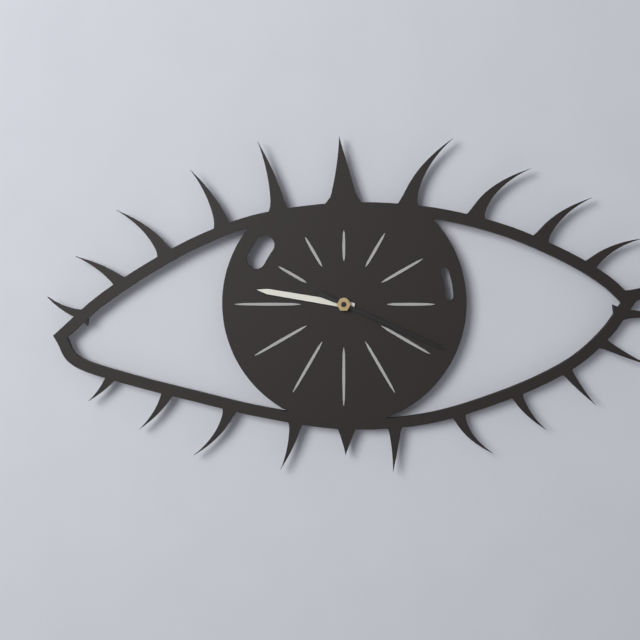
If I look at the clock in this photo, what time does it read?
9:19
